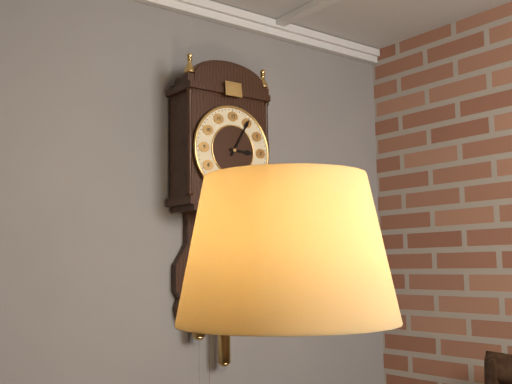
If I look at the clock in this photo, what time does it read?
3:05
